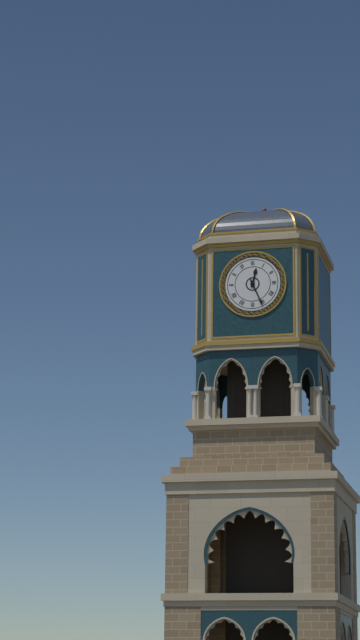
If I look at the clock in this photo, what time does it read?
12:26
